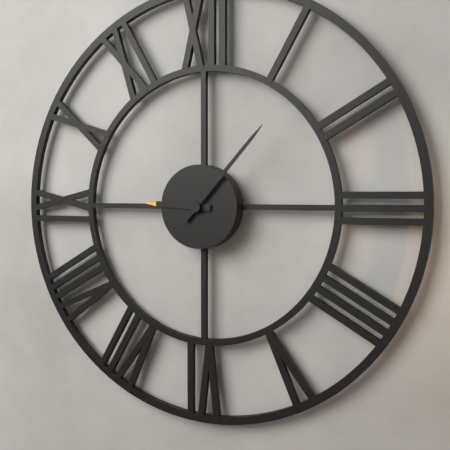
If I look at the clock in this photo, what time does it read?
9:07
